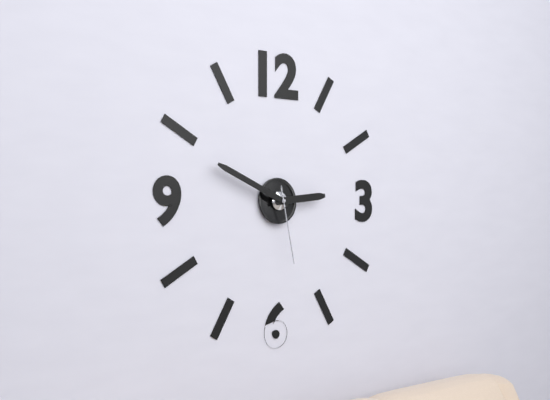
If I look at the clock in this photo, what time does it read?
2:49:28
